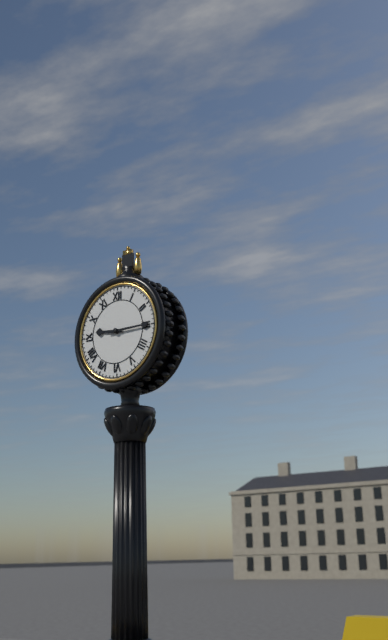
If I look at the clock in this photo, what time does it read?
9:15
